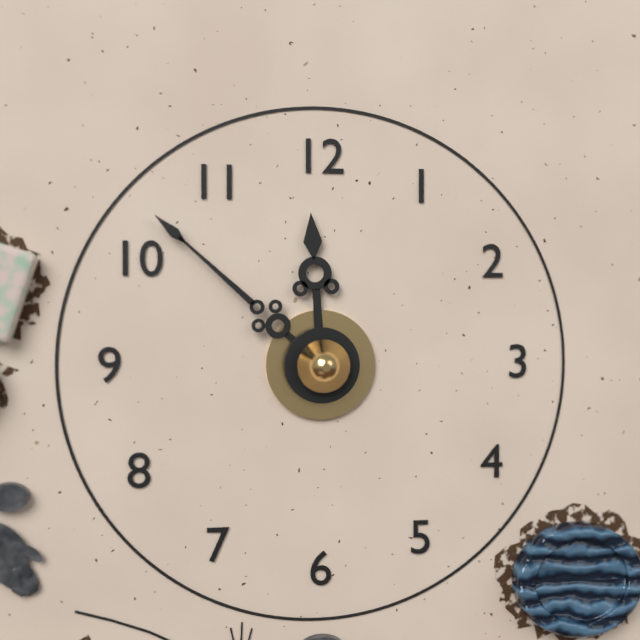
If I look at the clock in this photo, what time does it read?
11:52
